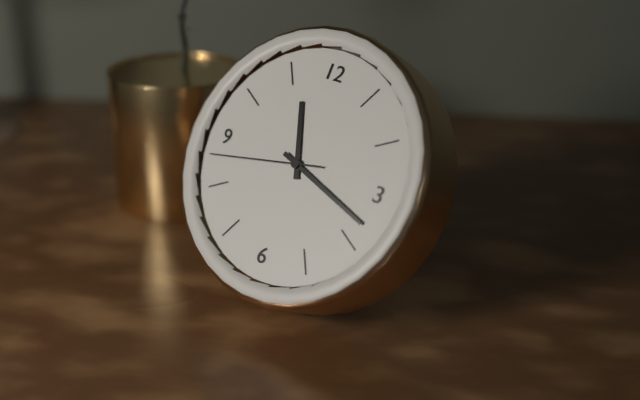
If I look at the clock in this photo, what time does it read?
11:18:43
